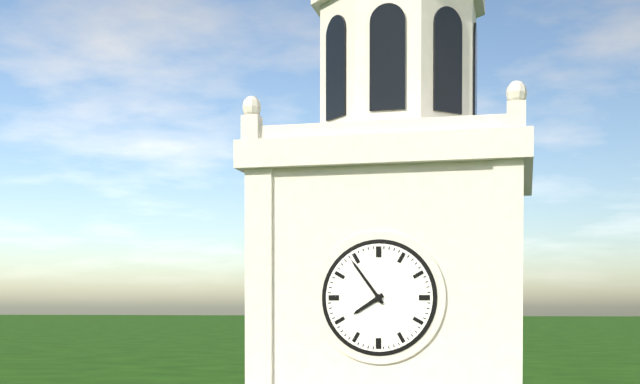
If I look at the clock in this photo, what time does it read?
7:54
